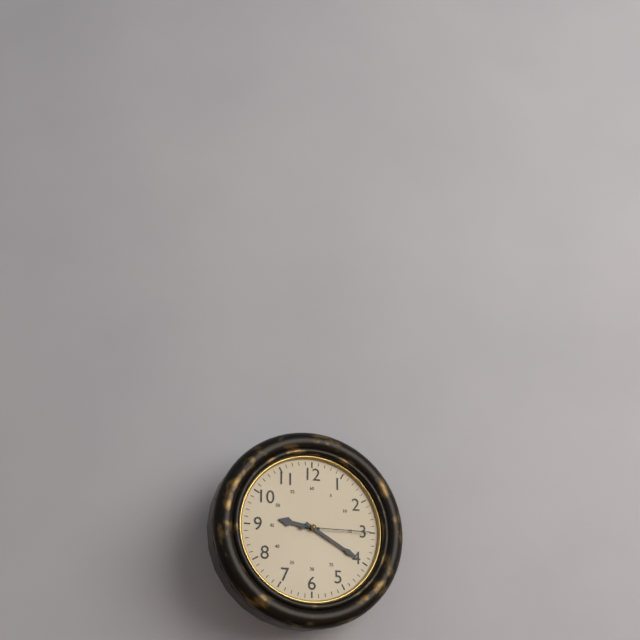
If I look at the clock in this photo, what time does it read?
9:20:15
